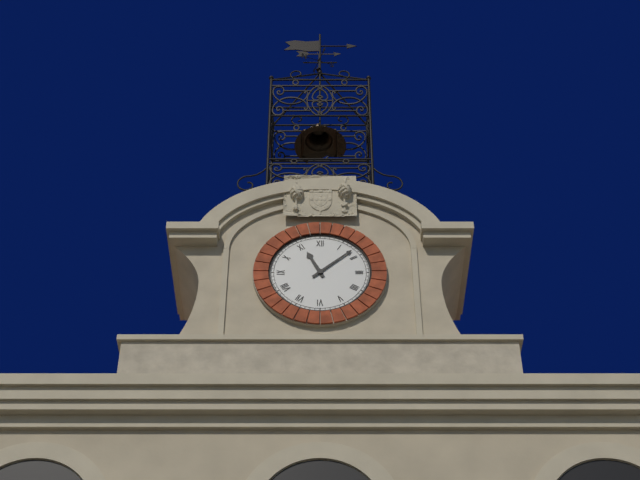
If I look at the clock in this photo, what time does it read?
11:08
